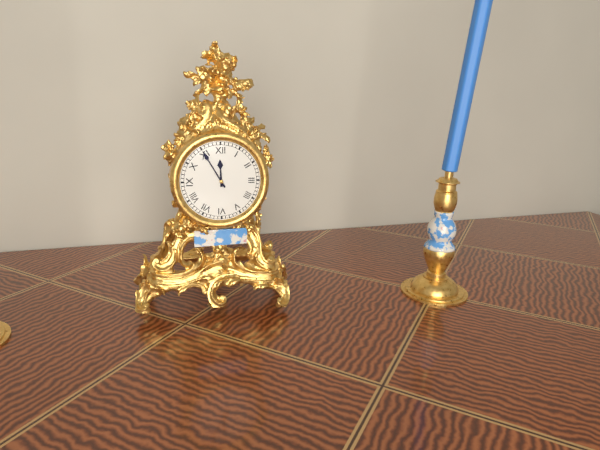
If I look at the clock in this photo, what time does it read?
11:55
